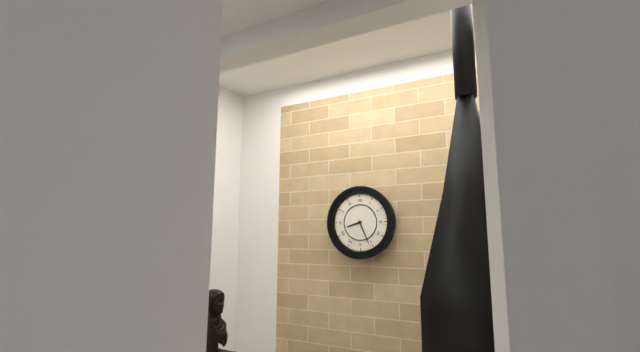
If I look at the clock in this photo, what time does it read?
8:26
